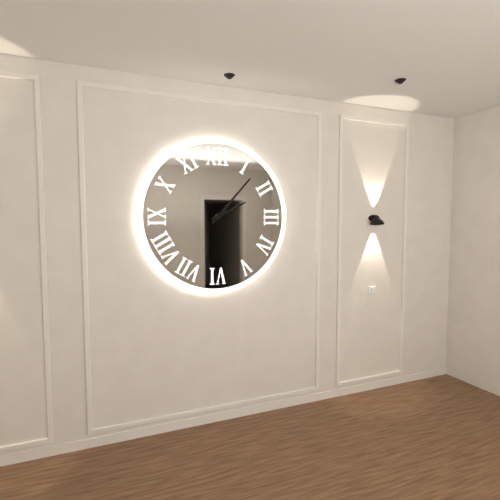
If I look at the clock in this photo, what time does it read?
2:07
